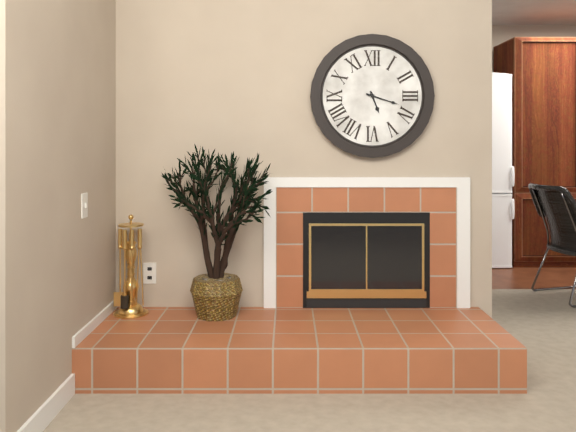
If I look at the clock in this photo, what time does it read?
5:18
